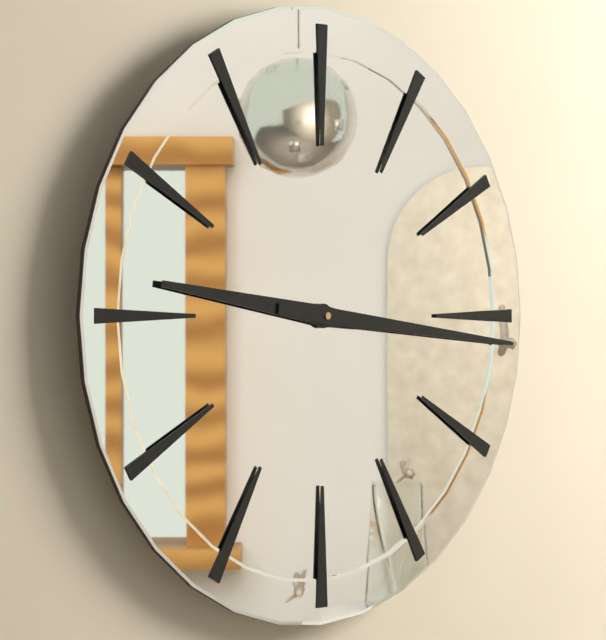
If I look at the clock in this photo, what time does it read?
9:16
